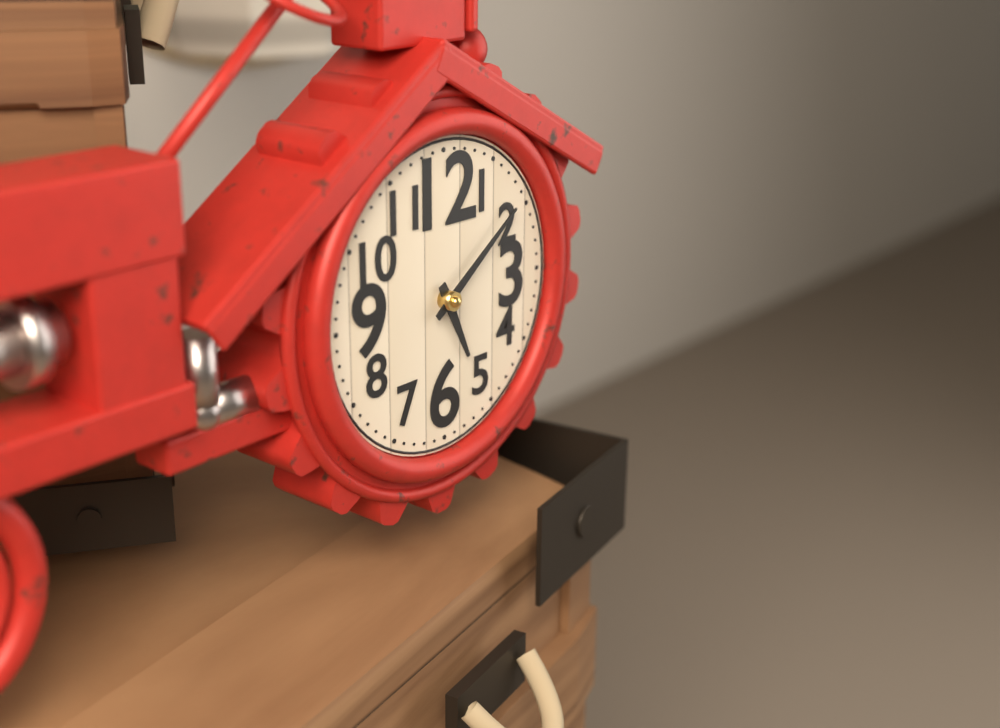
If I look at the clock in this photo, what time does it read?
5:09
